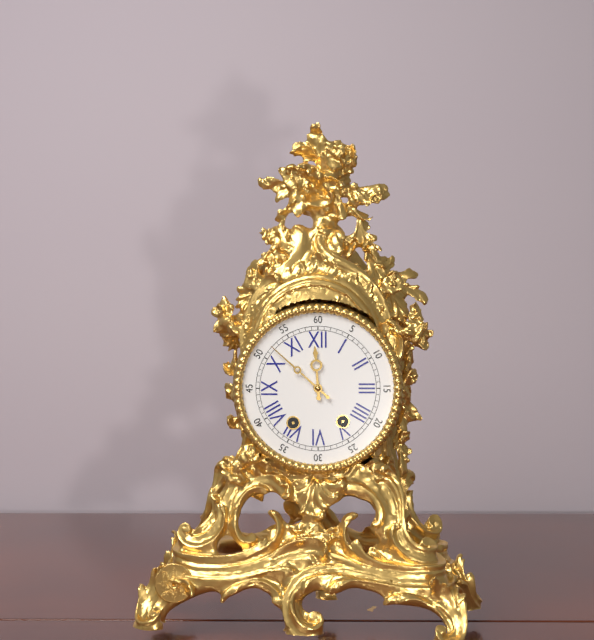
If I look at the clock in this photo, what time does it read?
11:52
